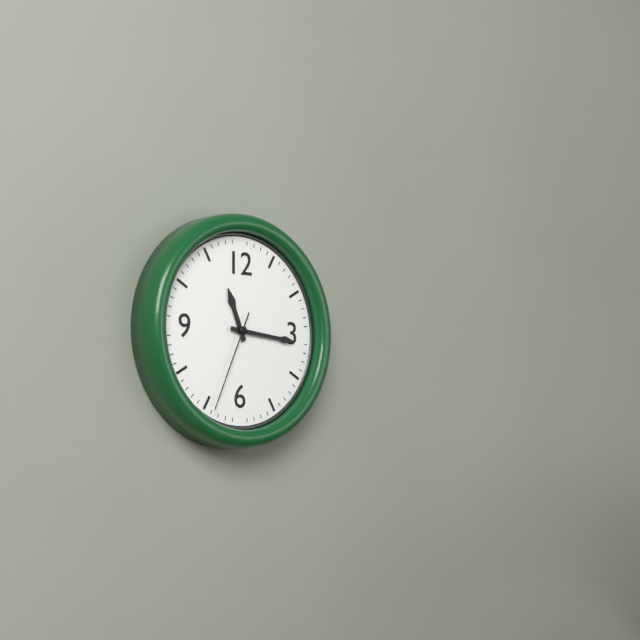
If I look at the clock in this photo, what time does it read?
11:16:34
